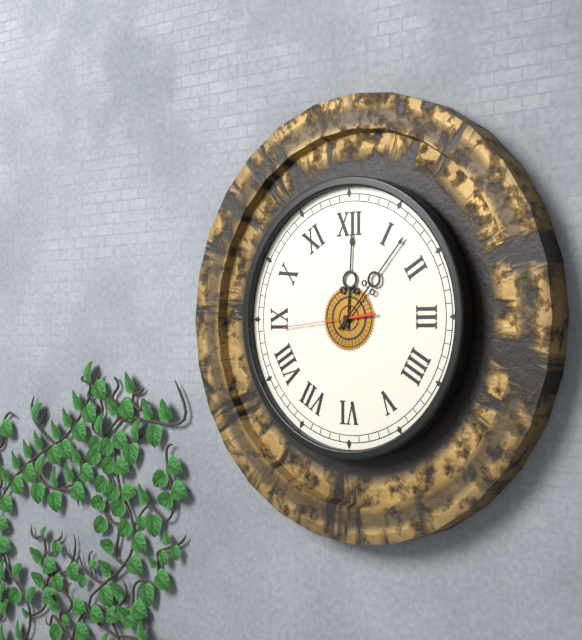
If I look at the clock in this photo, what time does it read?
12:07:44
